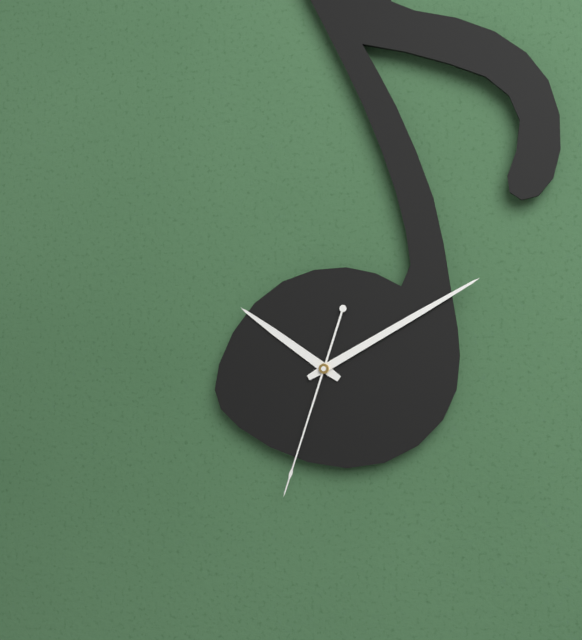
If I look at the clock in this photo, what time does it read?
10:10:33
